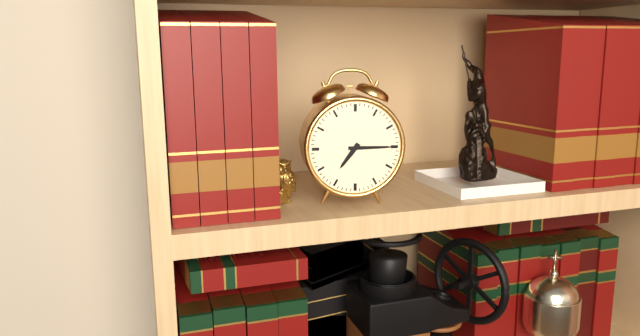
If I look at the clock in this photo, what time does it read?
7:15
